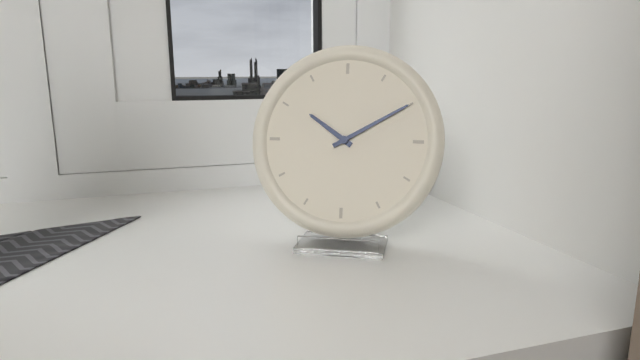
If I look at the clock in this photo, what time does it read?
10:10
